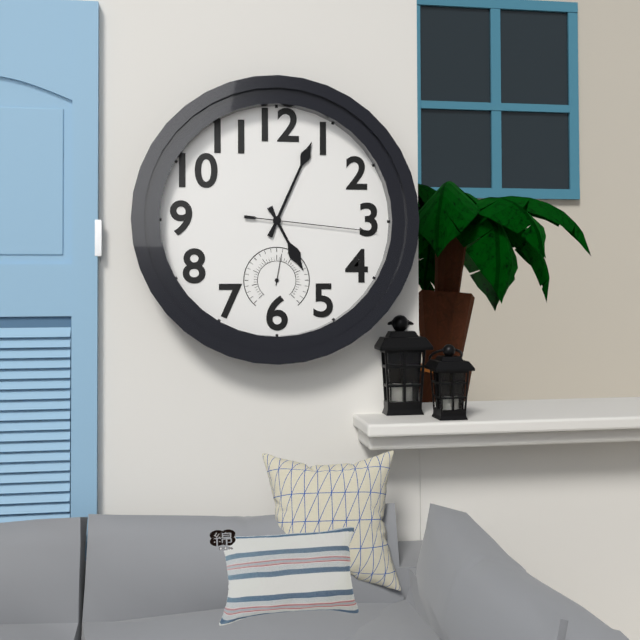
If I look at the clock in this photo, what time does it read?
5:04:16
